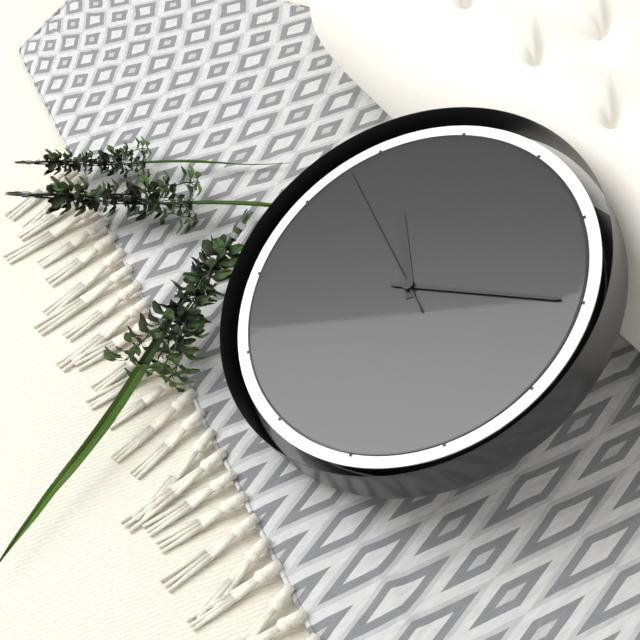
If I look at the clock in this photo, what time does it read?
10:10:48
